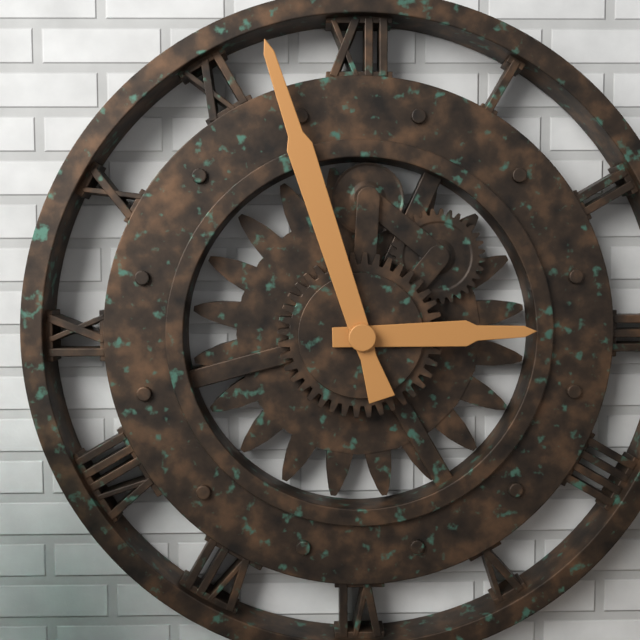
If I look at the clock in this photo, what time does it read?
2:57
